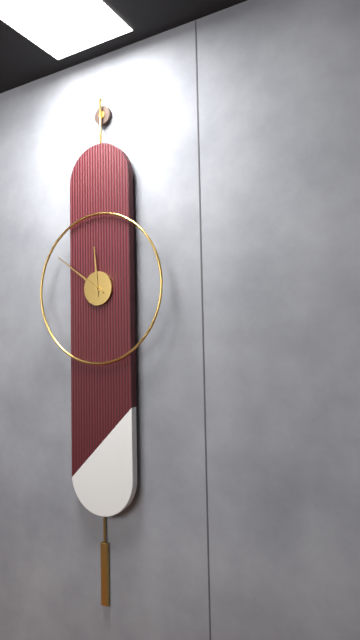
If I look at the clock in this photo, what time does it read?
11:51
